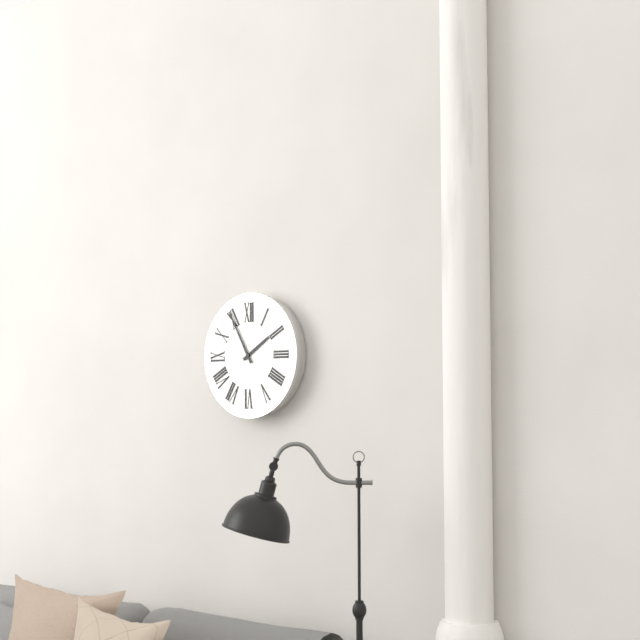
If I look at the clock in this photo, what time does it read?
1:55
